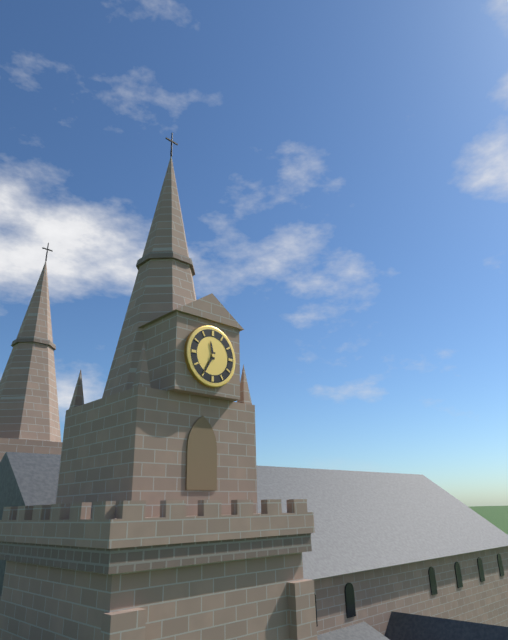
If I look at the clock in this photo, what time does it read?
11:35
